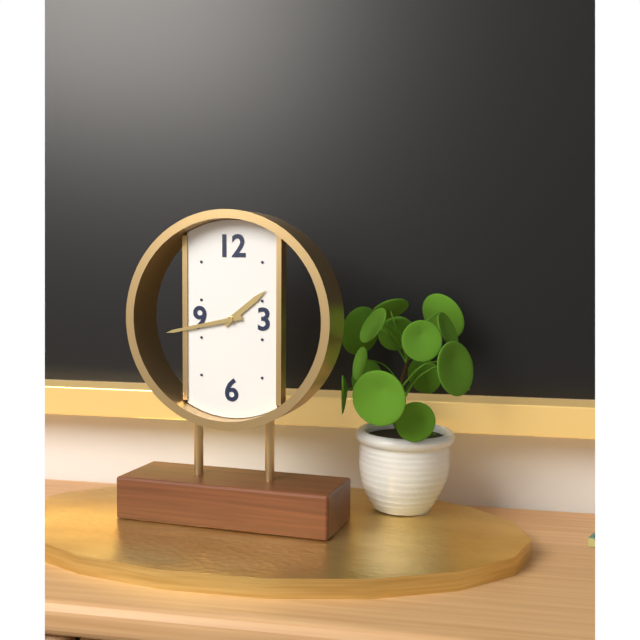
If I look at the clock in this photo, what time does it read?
1:43
